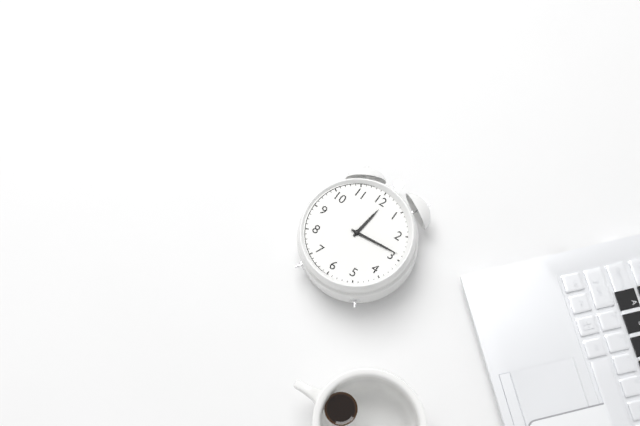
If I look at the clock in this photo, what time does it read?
12:14
